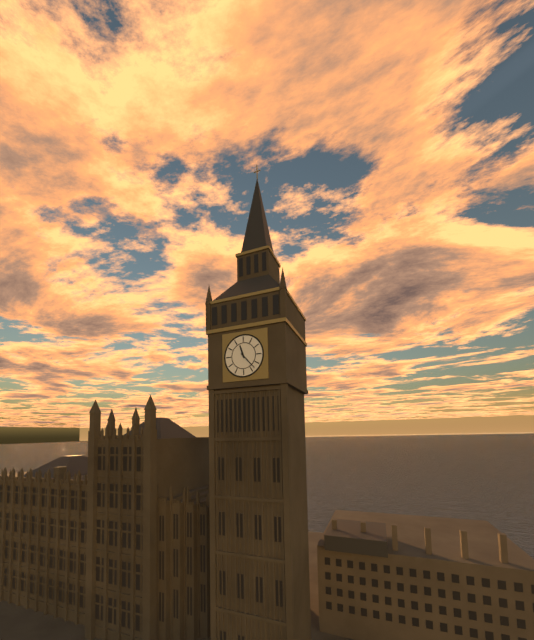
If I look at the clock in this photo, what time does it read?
11:23
